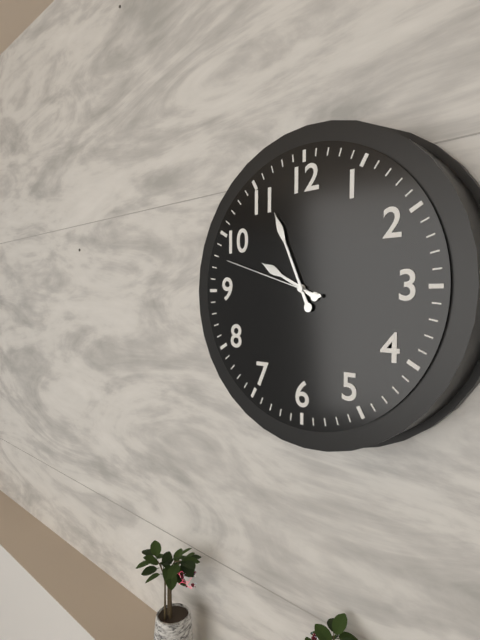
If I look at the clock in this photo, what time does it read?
9:56:48
